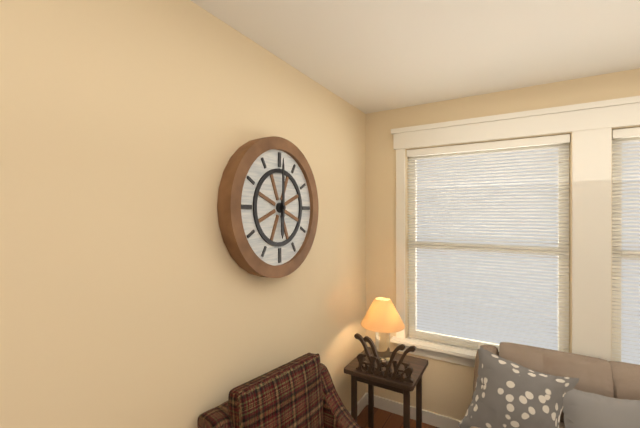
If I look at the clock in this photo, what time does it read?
6:00
